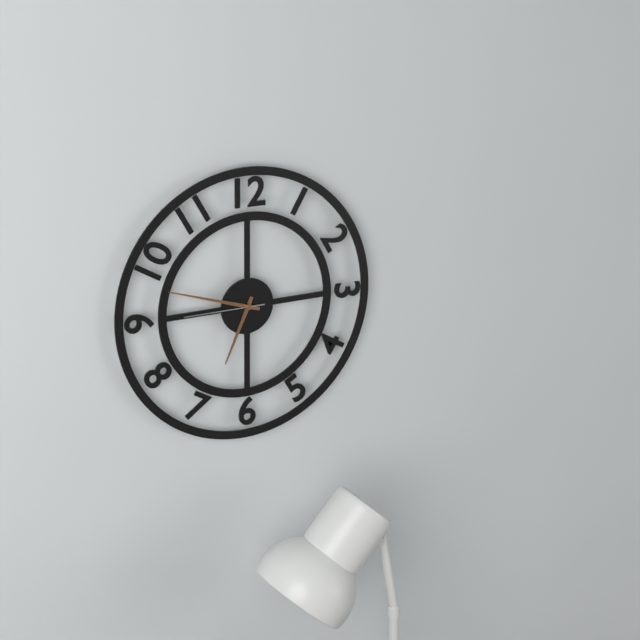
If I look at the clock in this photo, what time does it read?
6:48:45
